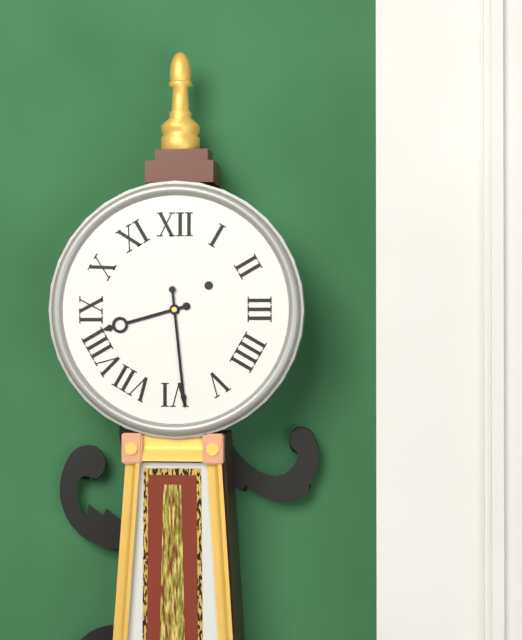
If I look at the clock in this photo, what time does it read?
8:29
